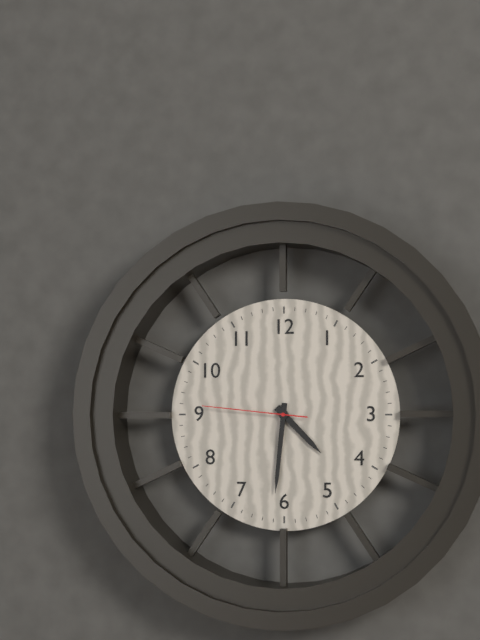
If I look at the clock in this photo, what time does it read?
4:31:46
